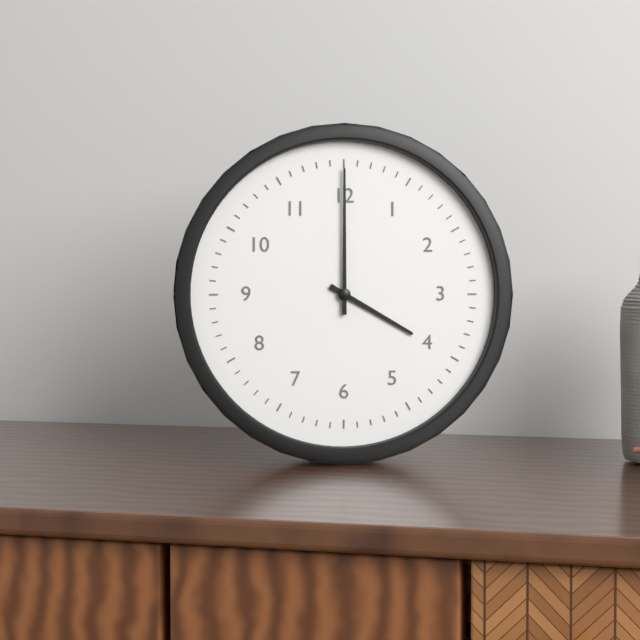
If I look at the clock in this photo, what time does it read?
4:00
